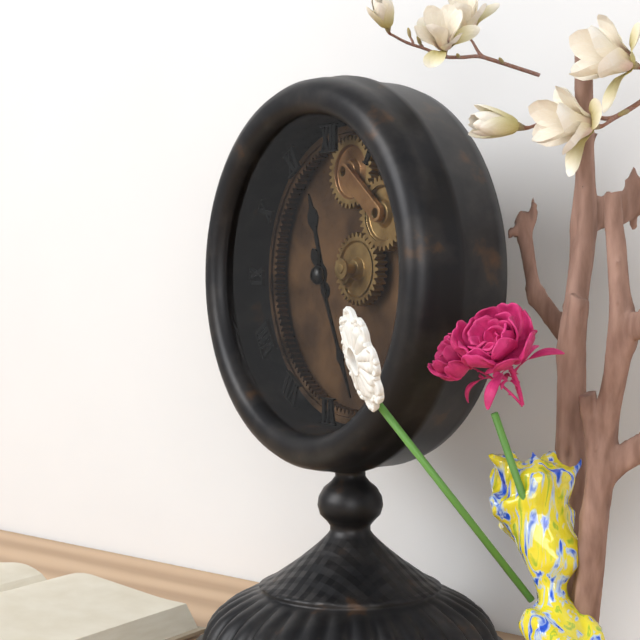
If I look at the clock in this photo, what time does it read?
11:26
